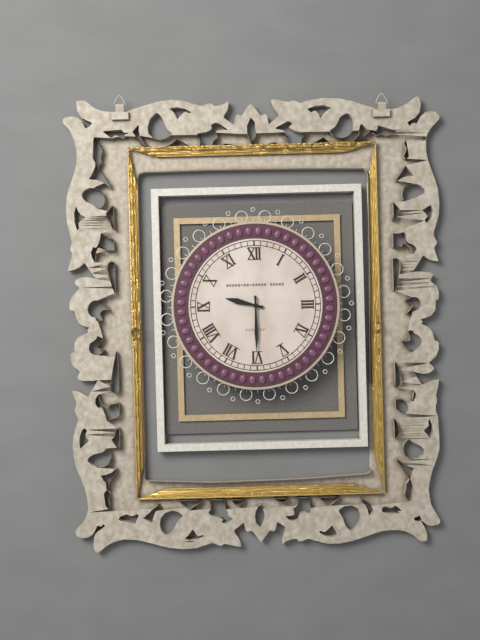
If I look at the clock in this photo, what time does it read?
9:30
